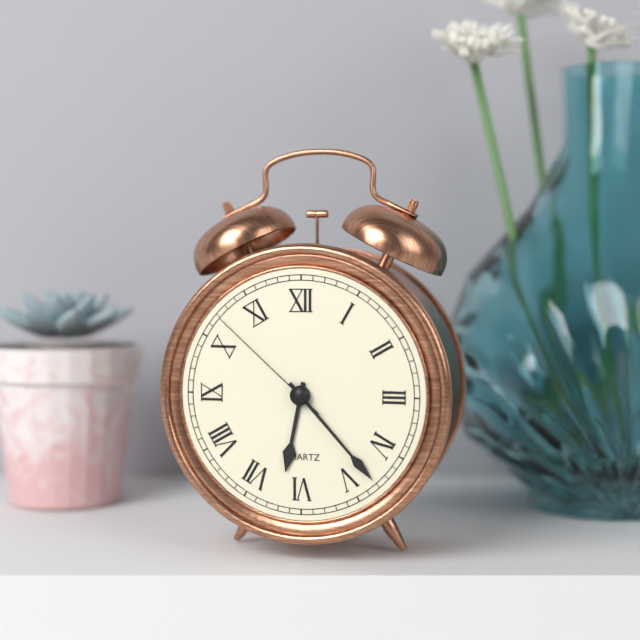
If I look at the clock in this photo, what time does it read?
6:23:52
